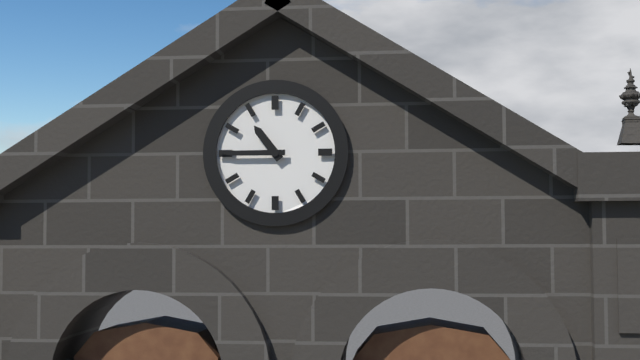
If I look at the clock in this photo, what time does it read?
10:45
